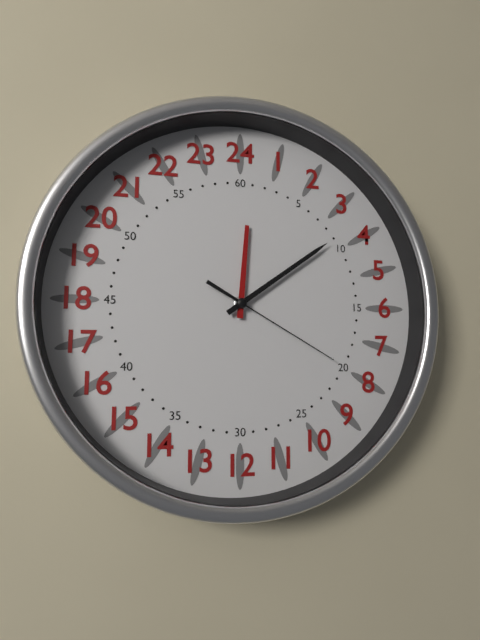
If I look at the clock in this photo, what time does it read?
12:09:20
